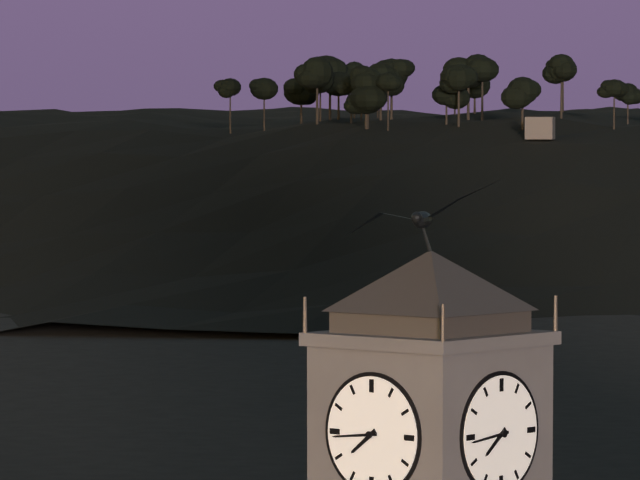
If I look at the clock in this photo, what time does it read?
7:44
